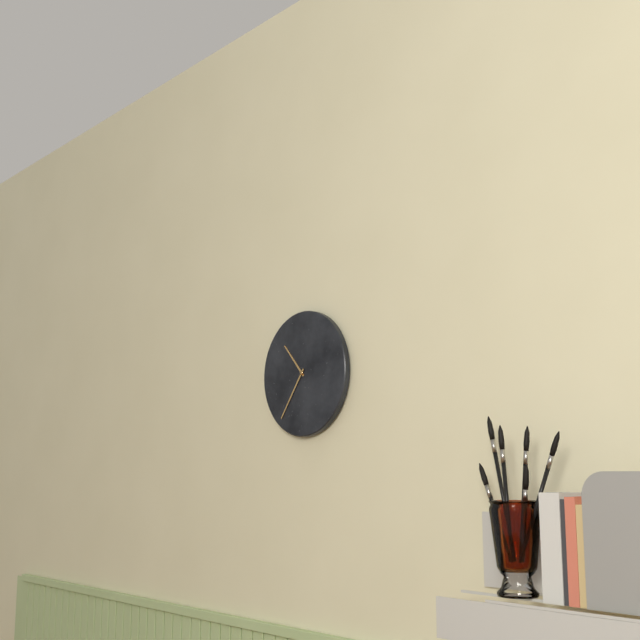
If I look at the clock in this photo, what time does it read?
10:36
